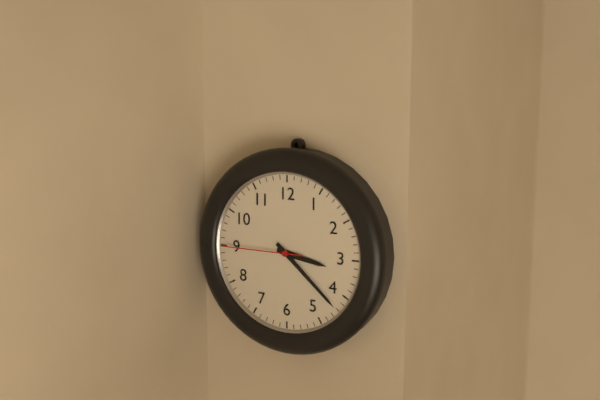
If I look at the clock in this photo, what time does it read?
3:22:45
